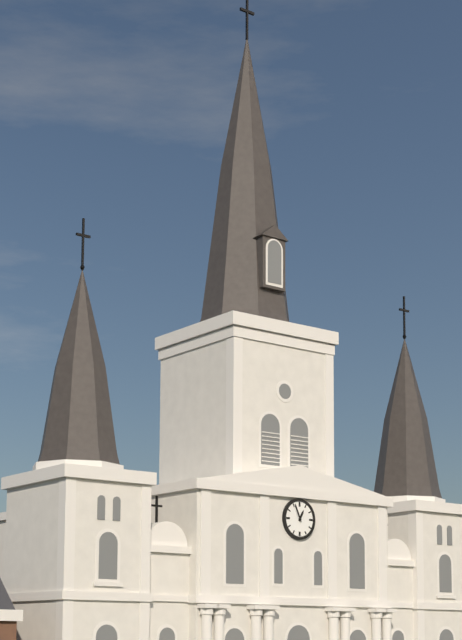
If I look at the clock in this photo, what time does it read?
12:56
